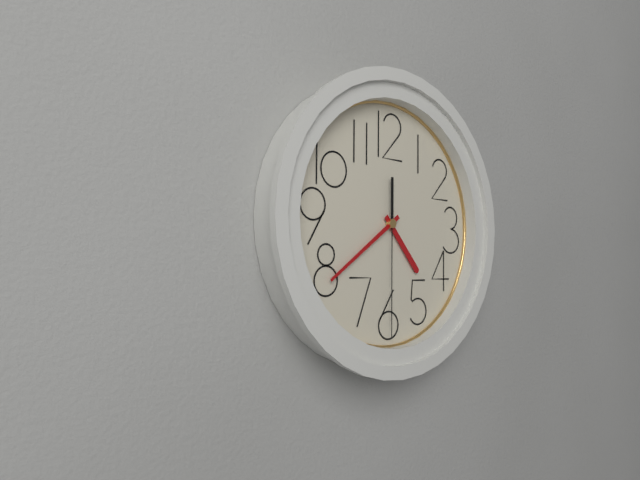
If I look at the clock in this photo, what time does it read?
4:39:30
